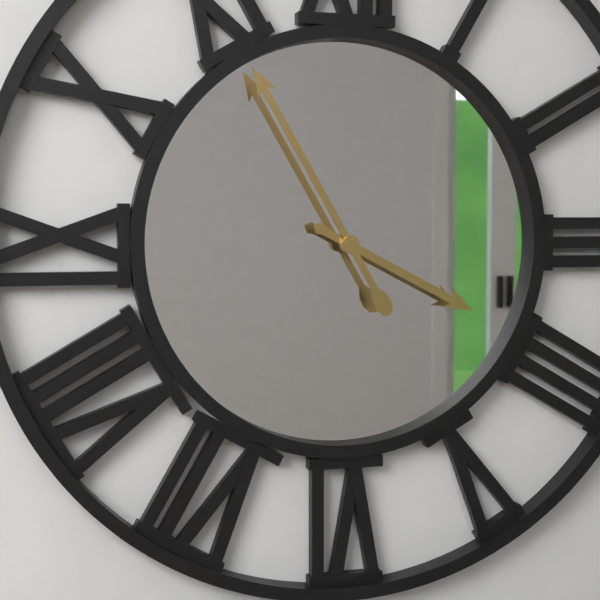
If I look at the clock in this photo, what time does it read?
3:55
